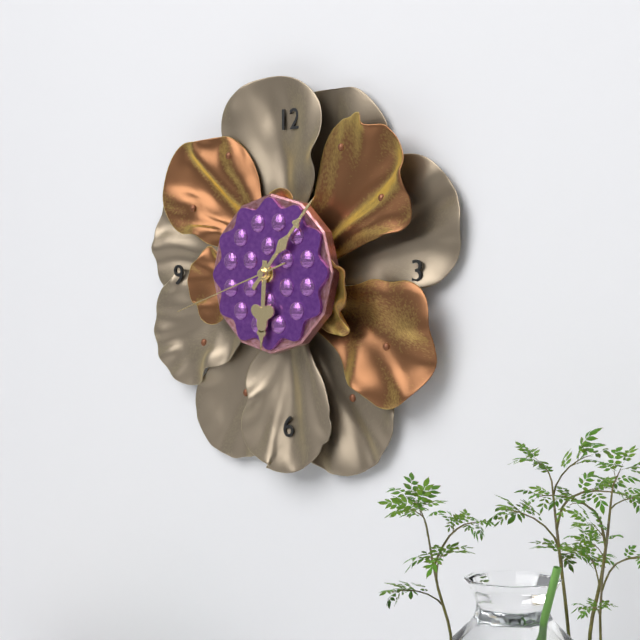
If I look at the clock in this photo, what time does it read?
6:07:42
